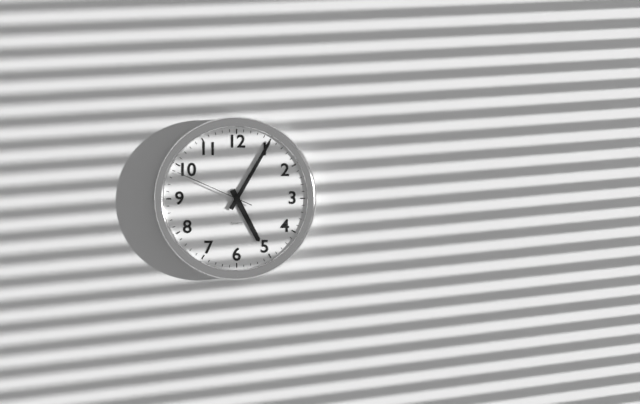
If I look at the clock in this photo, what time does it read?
5:05:49
